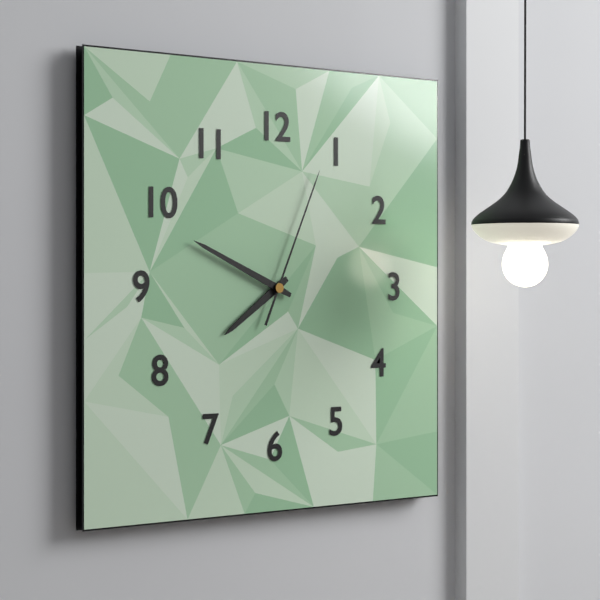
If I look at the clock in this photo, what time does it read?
7:49:04
